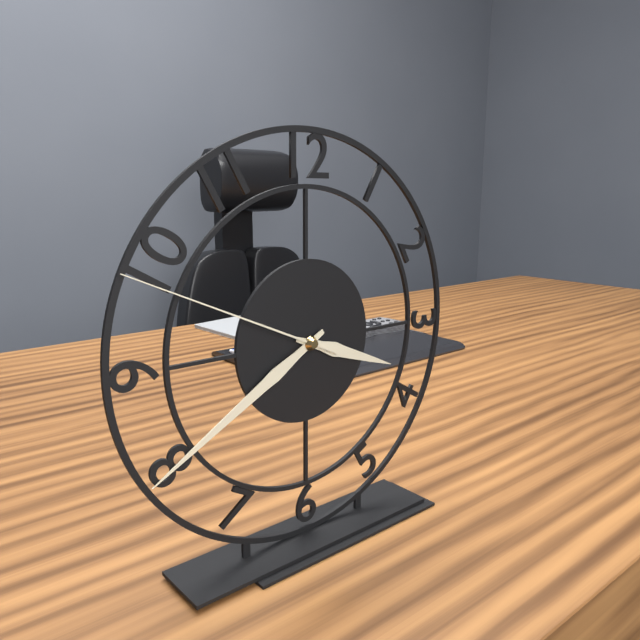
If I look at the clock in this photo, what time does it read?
3:40:49
